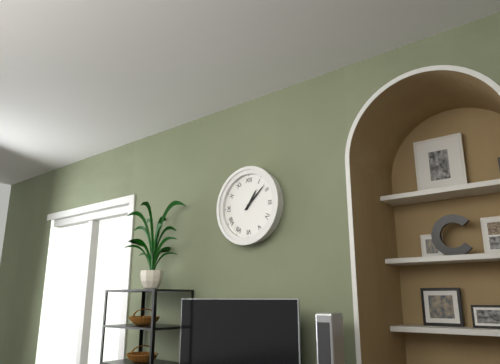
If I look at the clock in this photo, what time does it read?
1:08
